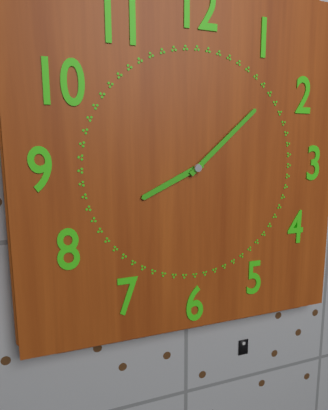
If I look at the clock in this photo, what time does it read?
8:08
